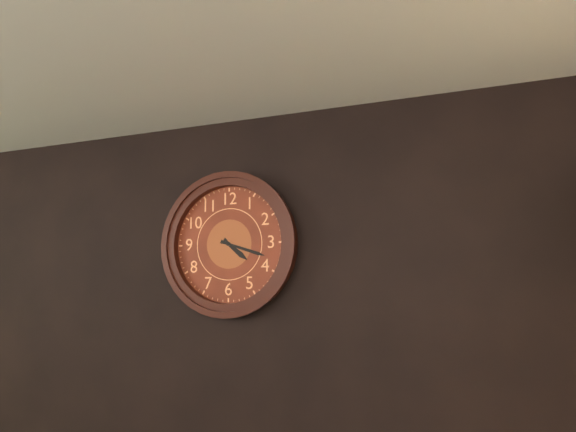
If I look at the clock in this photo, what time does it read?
4:18
